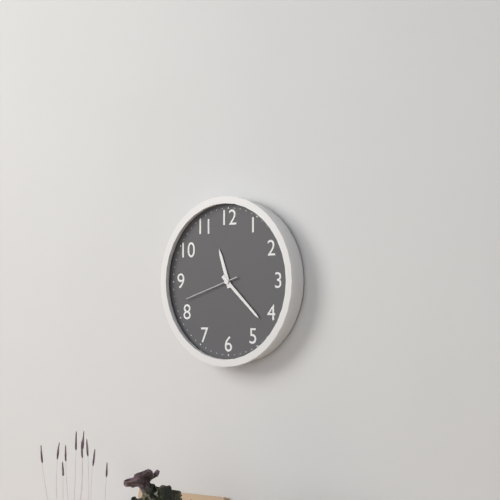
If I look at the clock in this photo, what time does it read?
11:22:42
